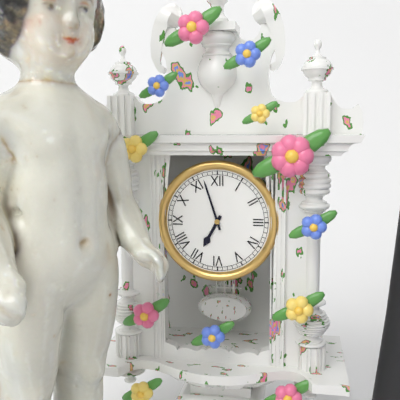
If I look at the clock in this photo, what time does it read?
6:57
